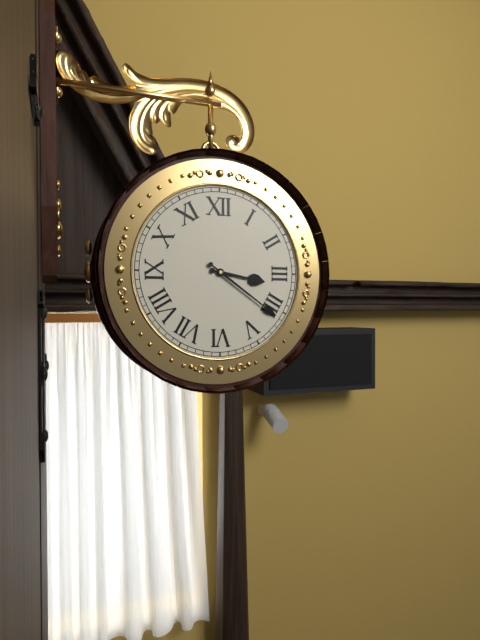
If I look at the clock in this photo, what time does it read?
3:21
